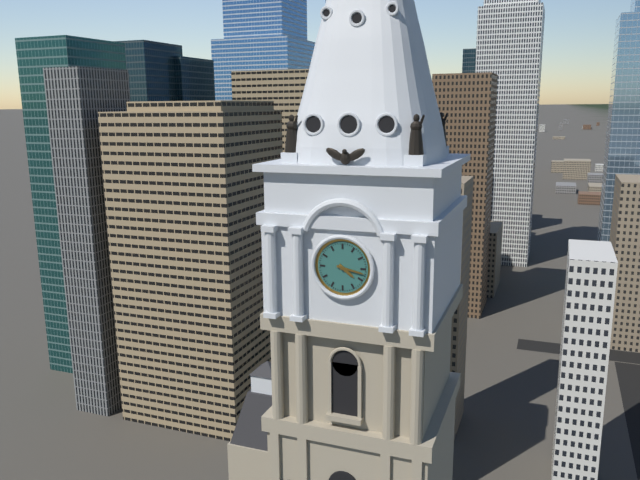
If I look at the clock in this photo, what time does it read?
4:17
